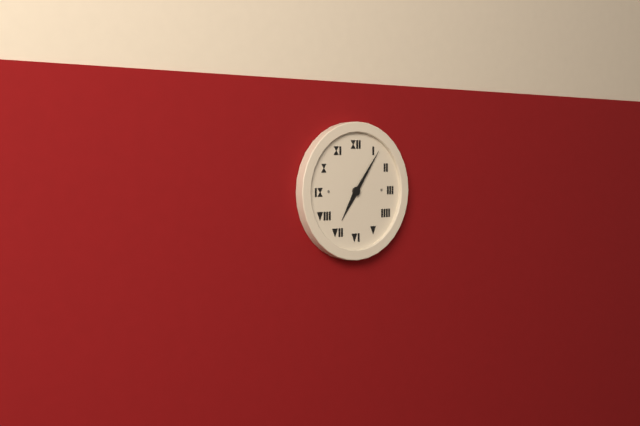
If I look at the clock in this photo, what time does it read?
7:06
